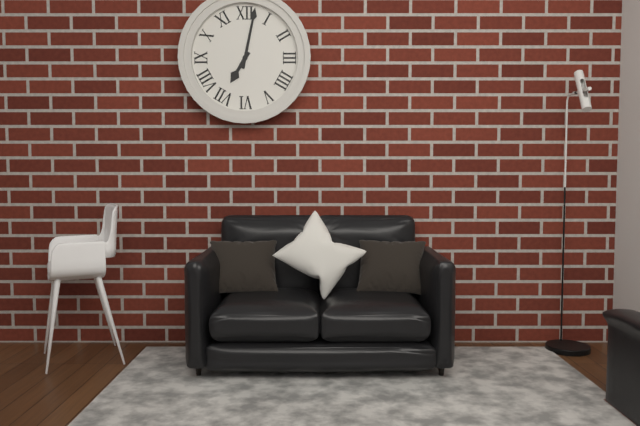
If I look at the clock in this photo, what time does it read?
7:02
